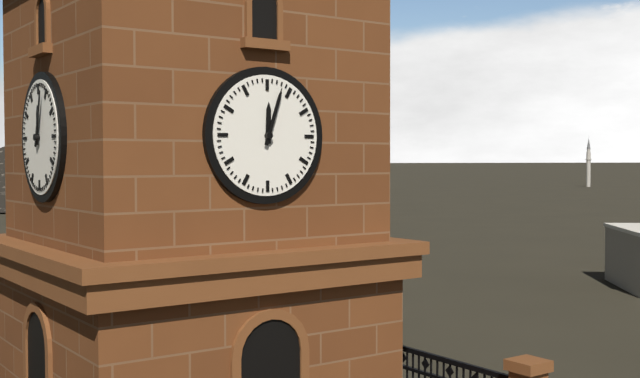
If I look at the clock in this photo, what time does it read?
12:03
